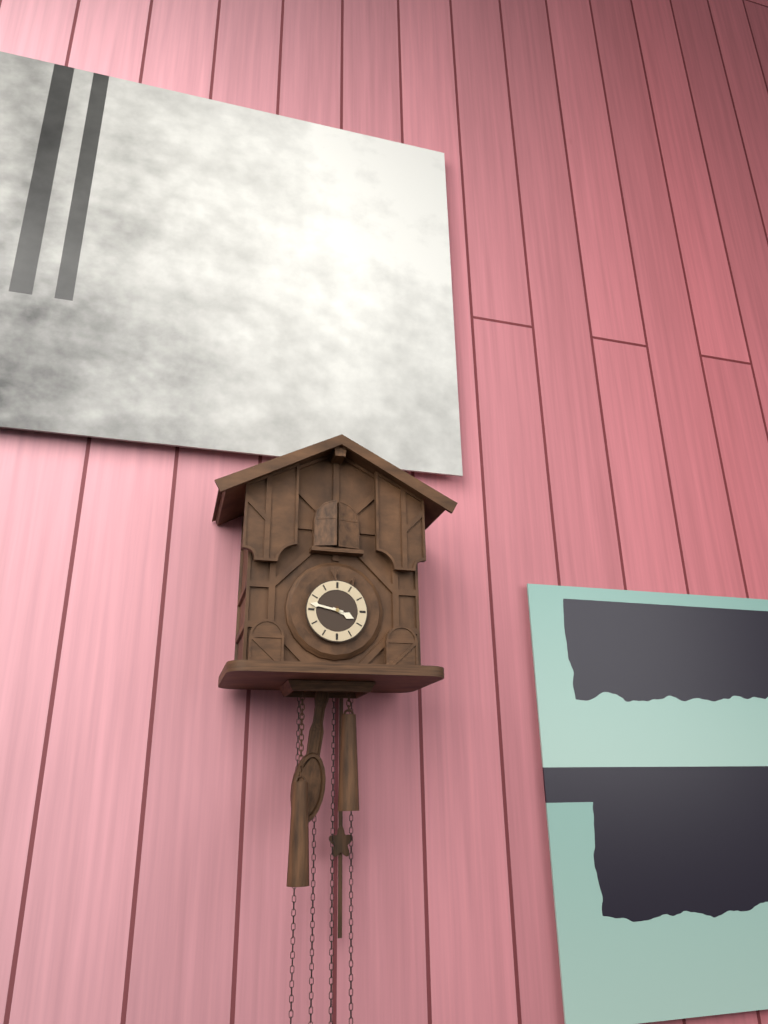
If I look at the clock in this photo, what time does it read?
3:47
